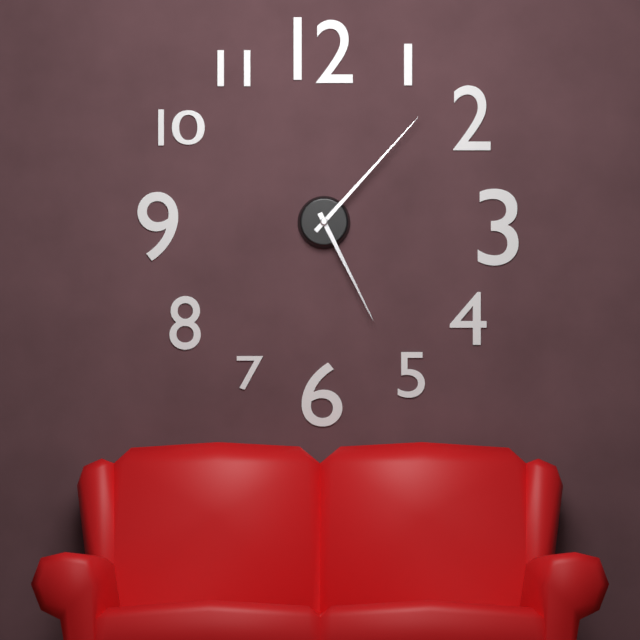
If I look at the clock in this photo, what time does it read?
5:07
